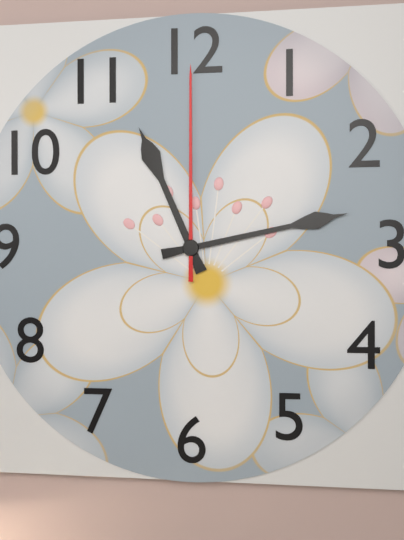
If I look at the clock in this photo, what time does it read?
11:13:00
